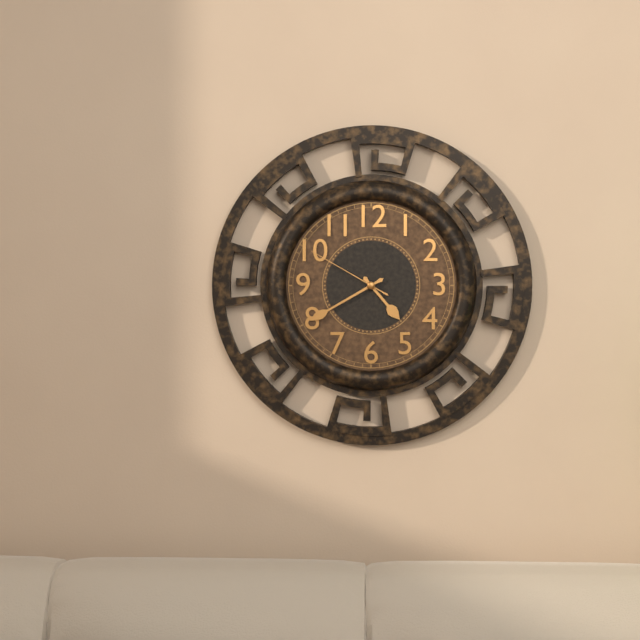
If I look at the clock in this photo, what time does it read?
4:40:50
